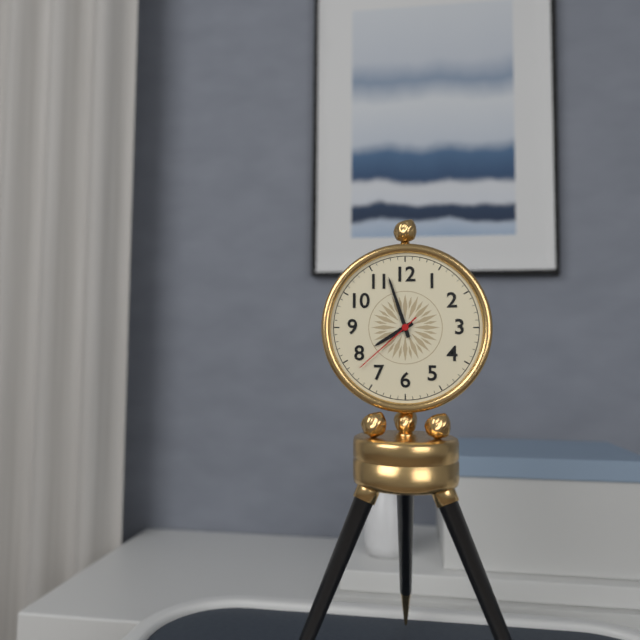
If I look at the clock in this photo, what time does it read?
7:57:38
